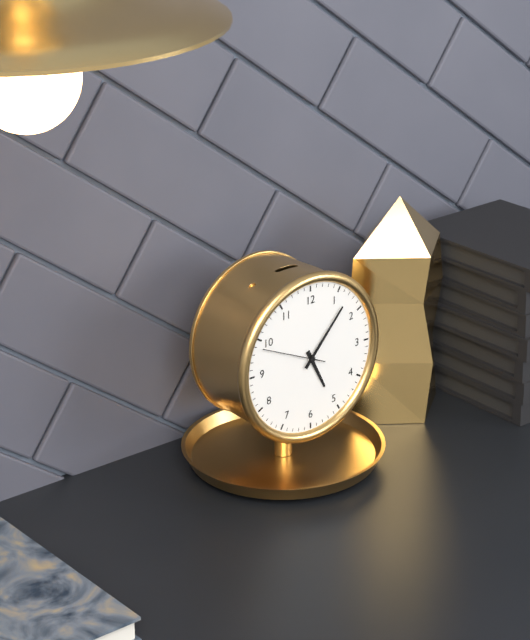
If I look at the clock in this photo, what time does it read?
5:07:49
